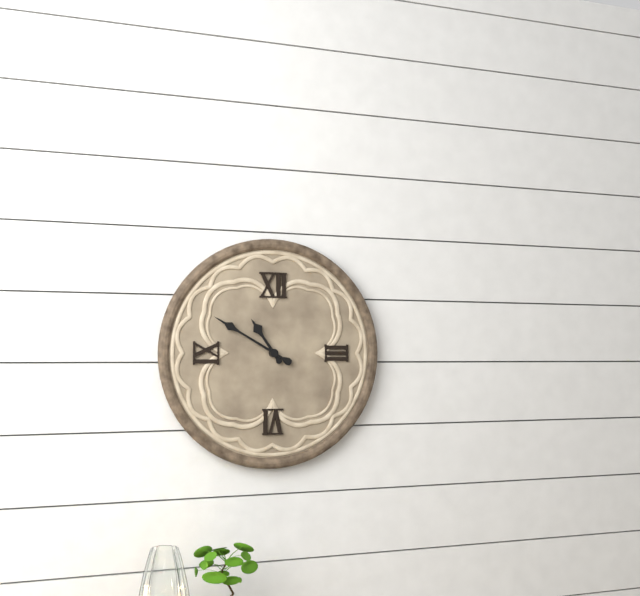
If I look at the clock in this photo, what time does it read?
10:50
